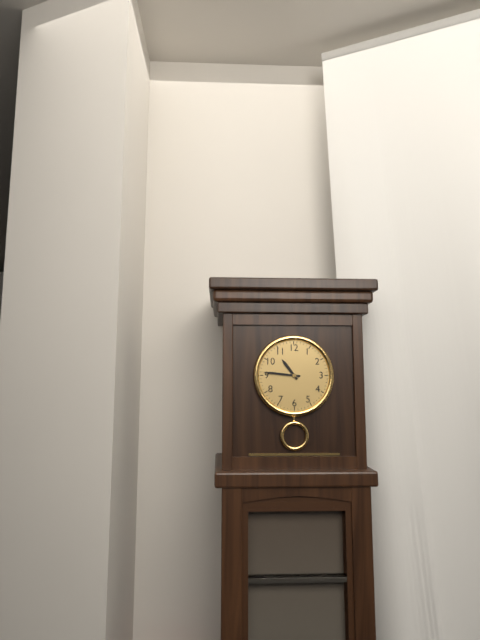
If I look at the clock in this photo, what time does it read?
10:46
